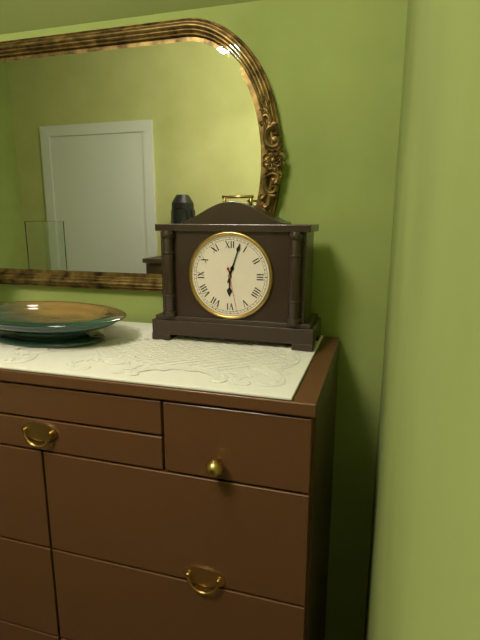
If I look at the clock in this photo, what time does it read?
6:03
